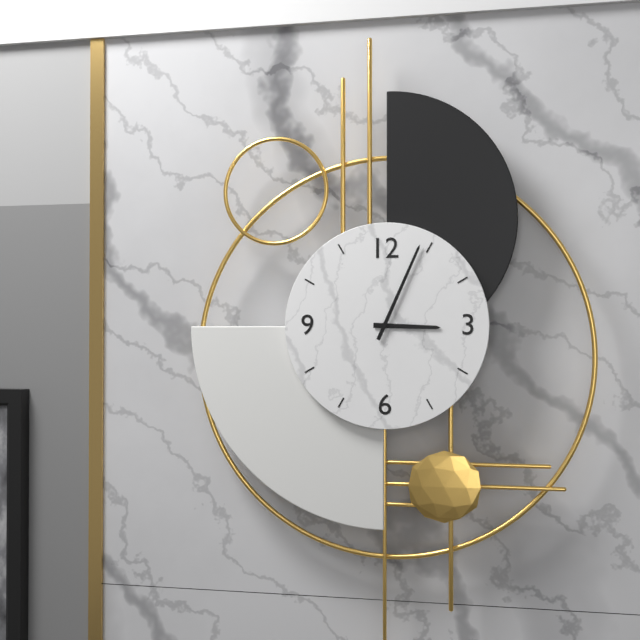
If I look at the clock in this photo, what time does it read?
3:04
